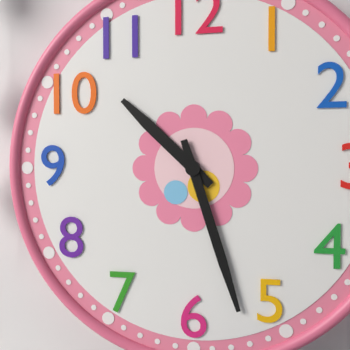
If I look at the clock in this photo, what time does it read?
10:27
